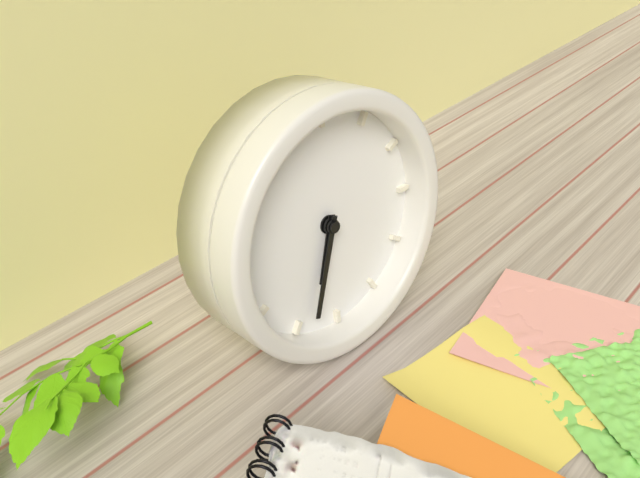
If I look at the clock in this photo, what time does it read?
6:33
